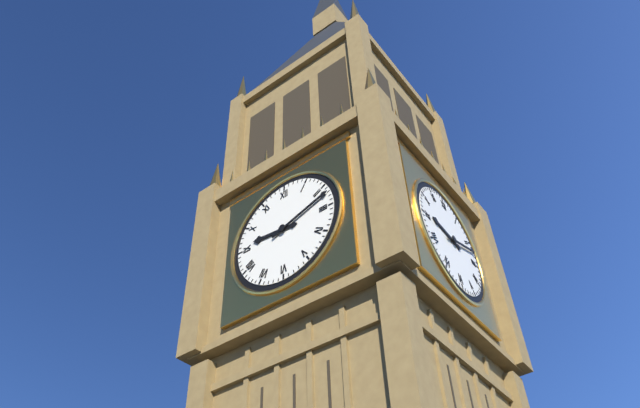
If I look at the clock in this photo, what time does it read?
9:12
